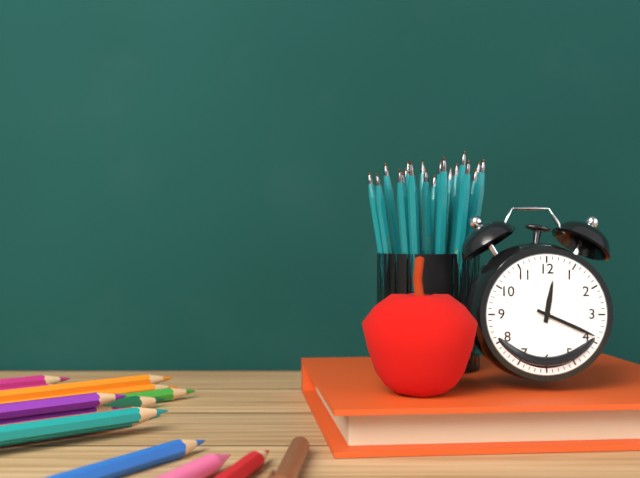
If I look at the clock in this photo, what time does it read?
12:19
